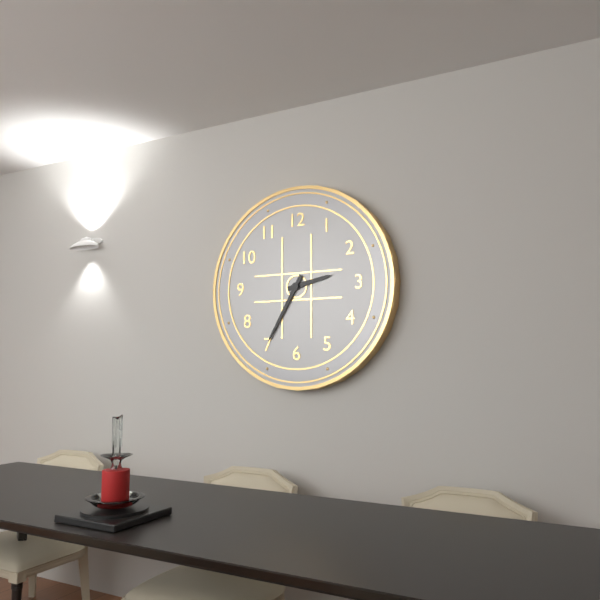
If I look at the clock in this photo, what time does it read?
2:35
